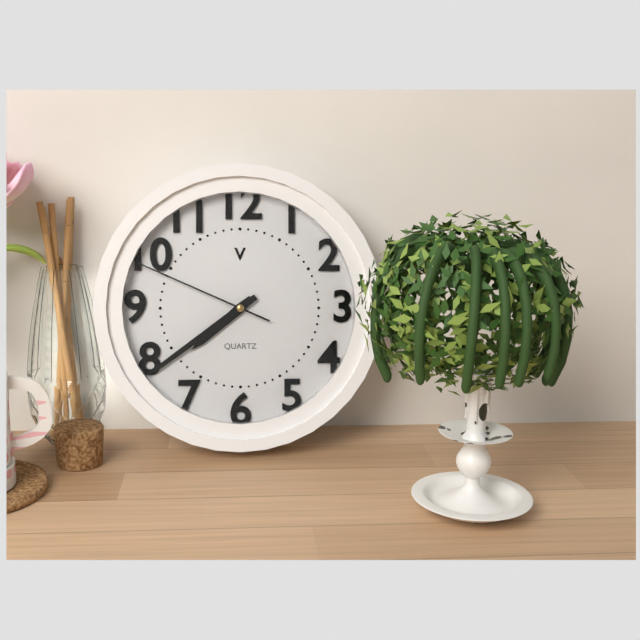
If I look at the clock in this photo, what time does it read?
7:39:49
